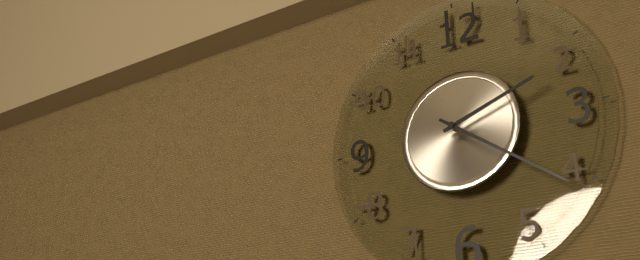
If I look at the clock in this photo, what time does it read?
2:21
